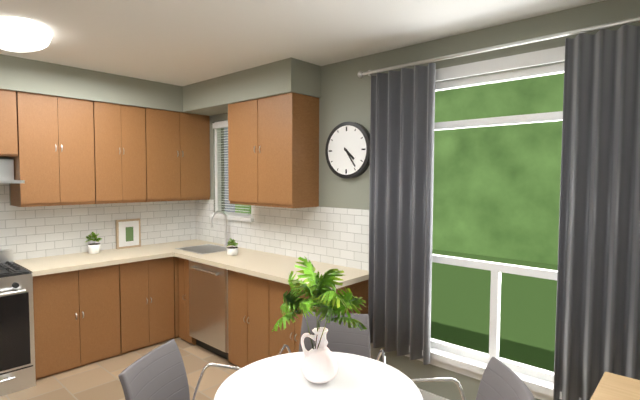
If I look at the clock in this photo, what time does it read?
4:24
